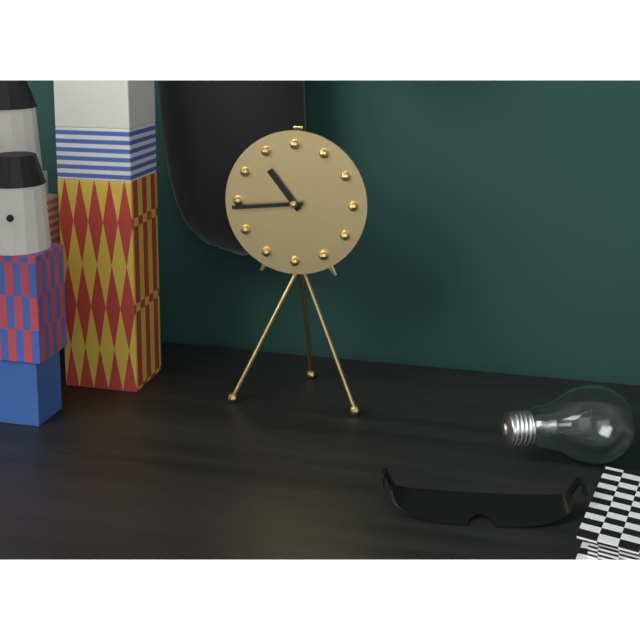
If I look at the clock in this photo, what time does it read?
10:44
